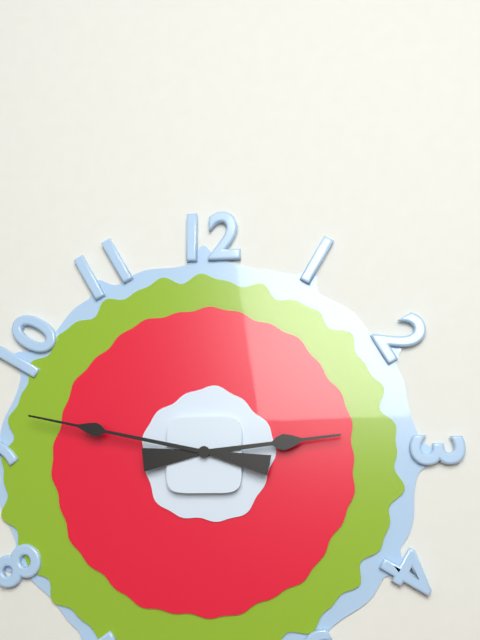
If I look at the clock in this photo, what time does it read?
2:47
